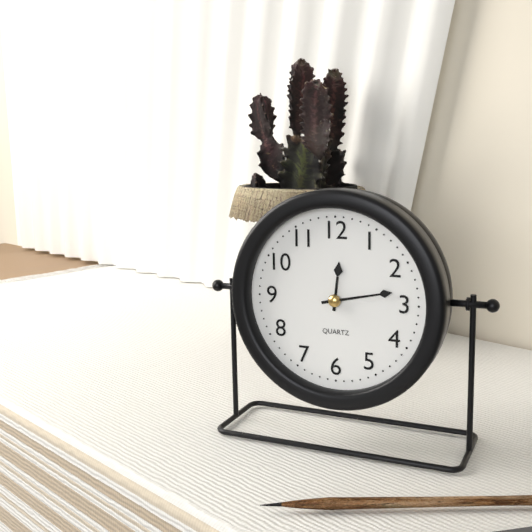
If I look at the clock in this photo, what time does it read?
12:13
